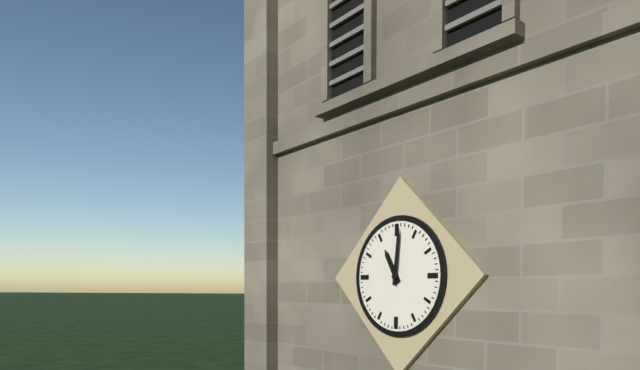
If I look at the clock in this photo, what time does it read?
11:01
